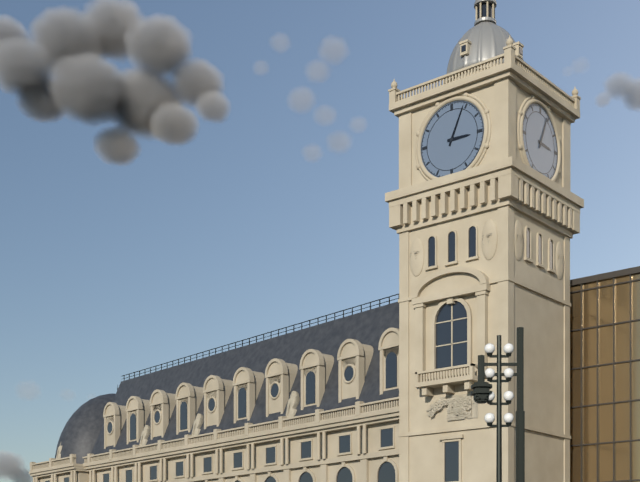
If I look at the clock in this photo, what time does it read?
3:04
